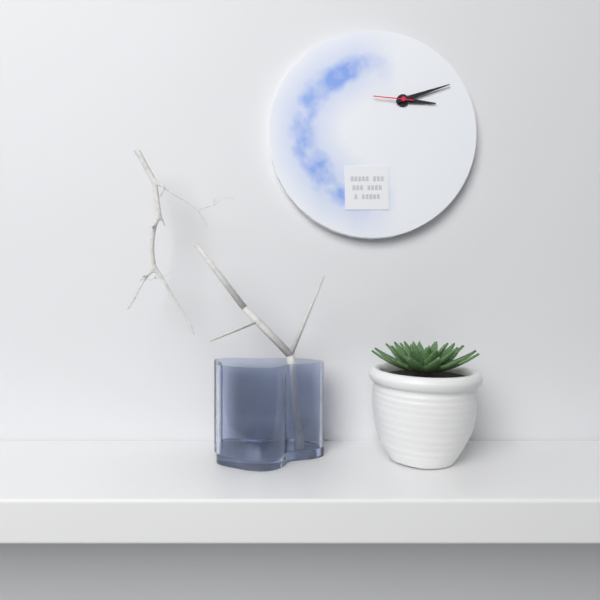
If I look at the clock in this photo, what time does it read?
3:12
